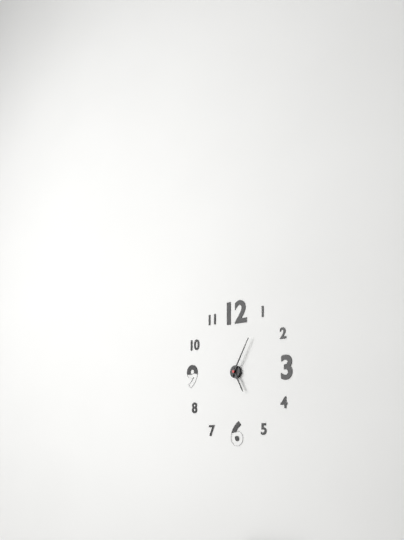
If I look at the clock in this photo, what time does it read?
5:05
